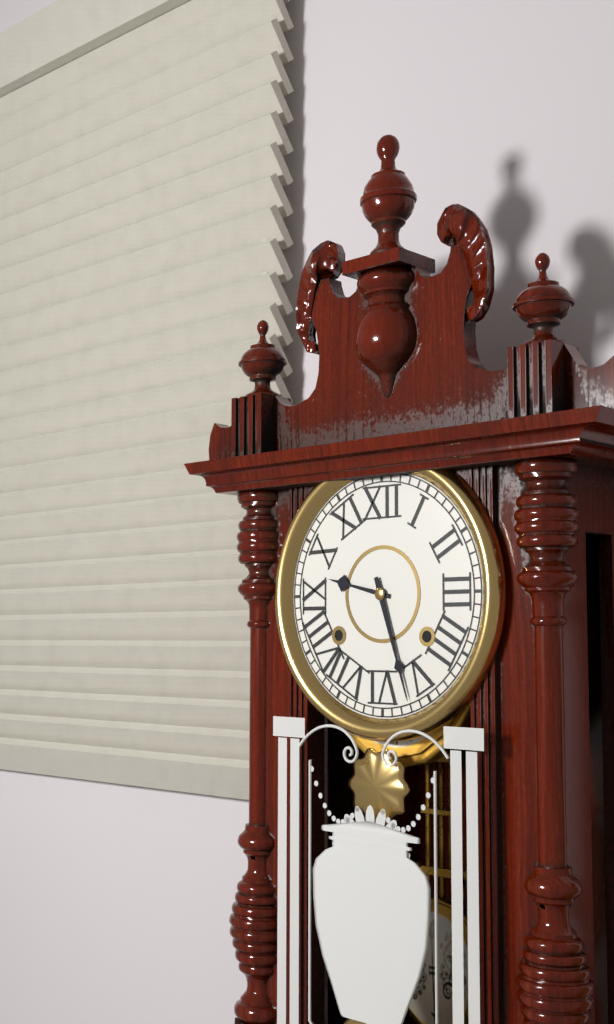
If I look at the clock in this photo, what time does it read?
9:27
